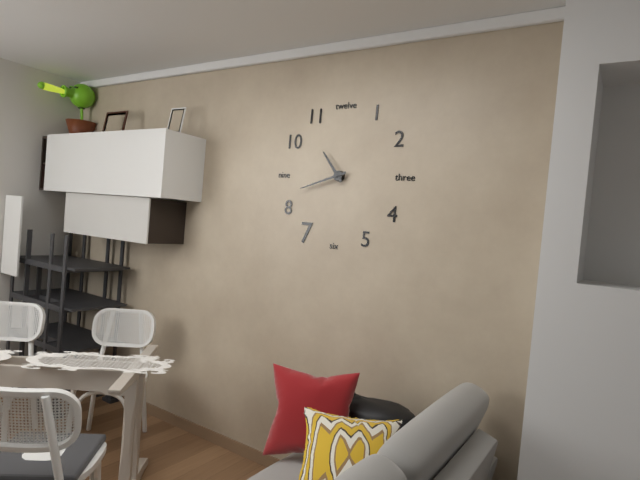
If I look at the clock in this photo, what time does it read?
10:42
